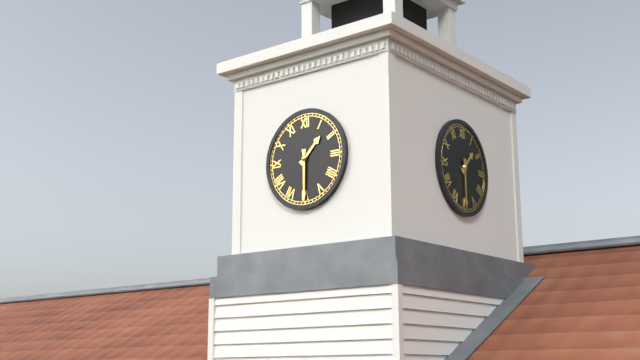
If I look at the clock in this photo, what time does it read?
1:30
